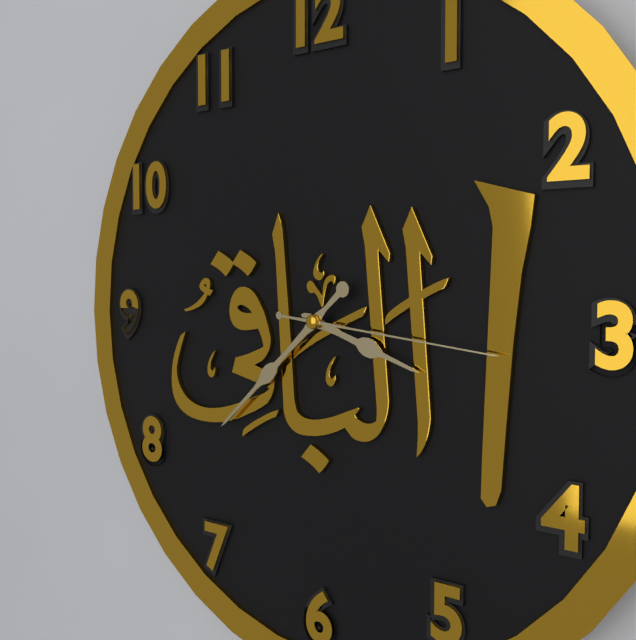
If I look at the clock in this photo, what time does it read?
3:38:16
